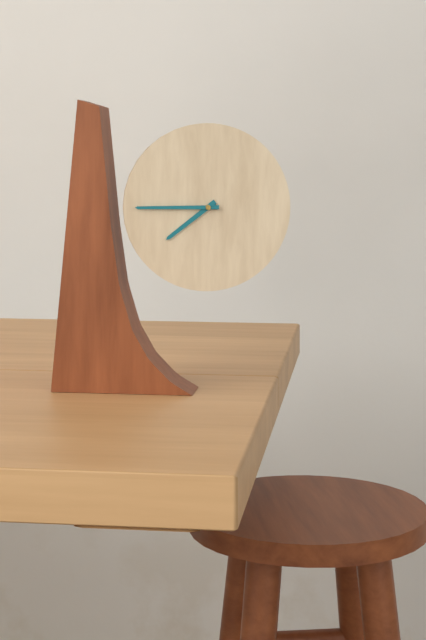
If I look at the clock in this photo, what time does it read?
7:45
